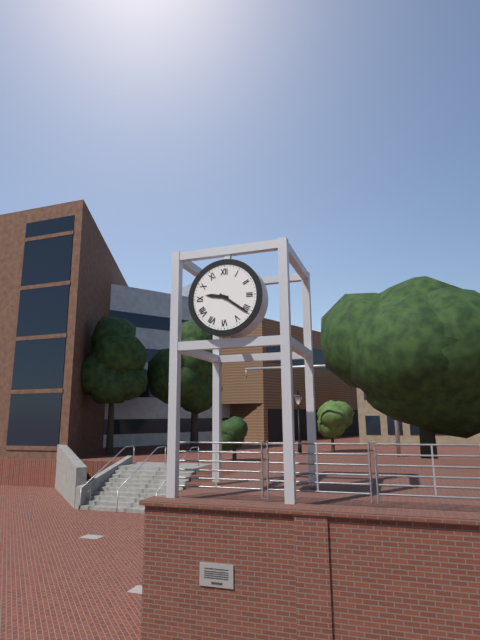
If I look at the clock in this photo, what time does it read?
9:21
